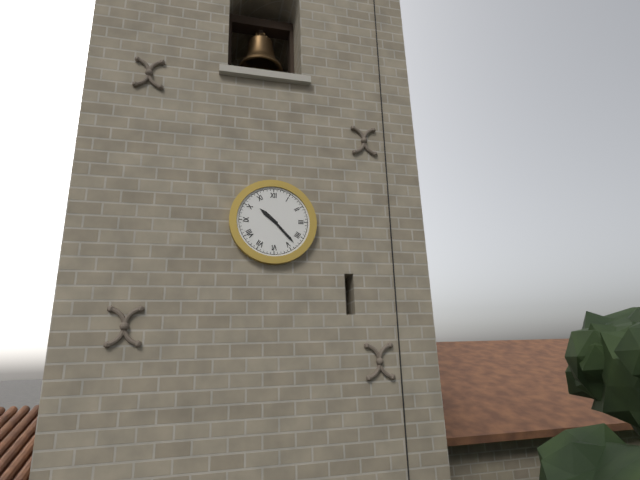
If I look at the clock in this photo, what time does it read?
10:23
